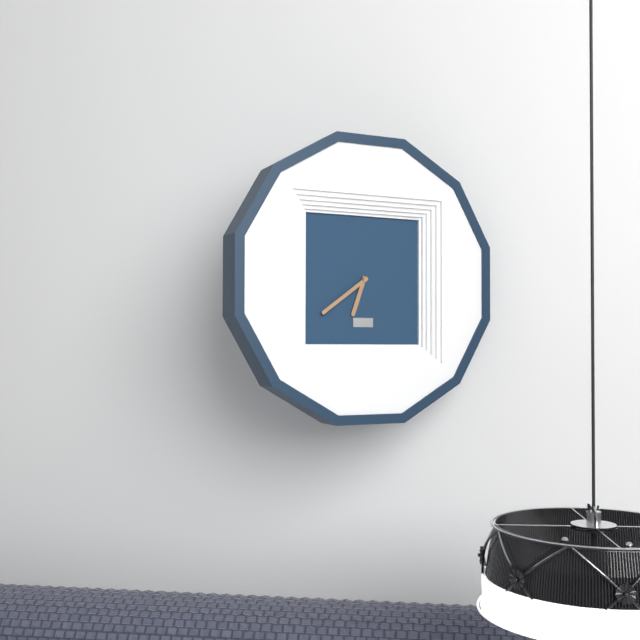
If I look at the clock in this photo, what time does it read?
6:39
